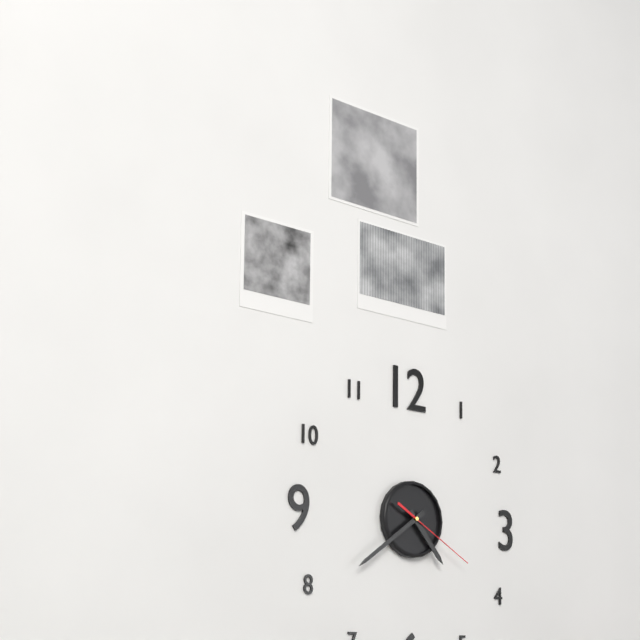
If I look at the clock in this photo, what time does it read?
4:39:20
